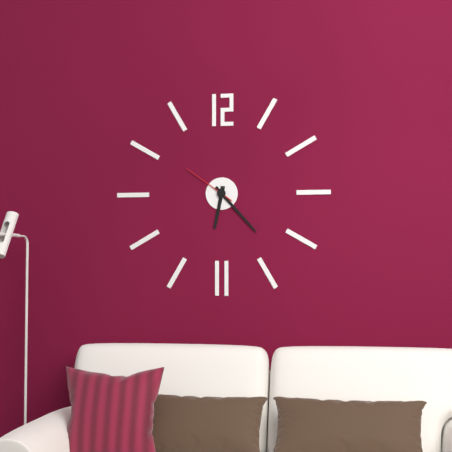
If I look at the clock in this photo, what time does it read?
6:23:51
